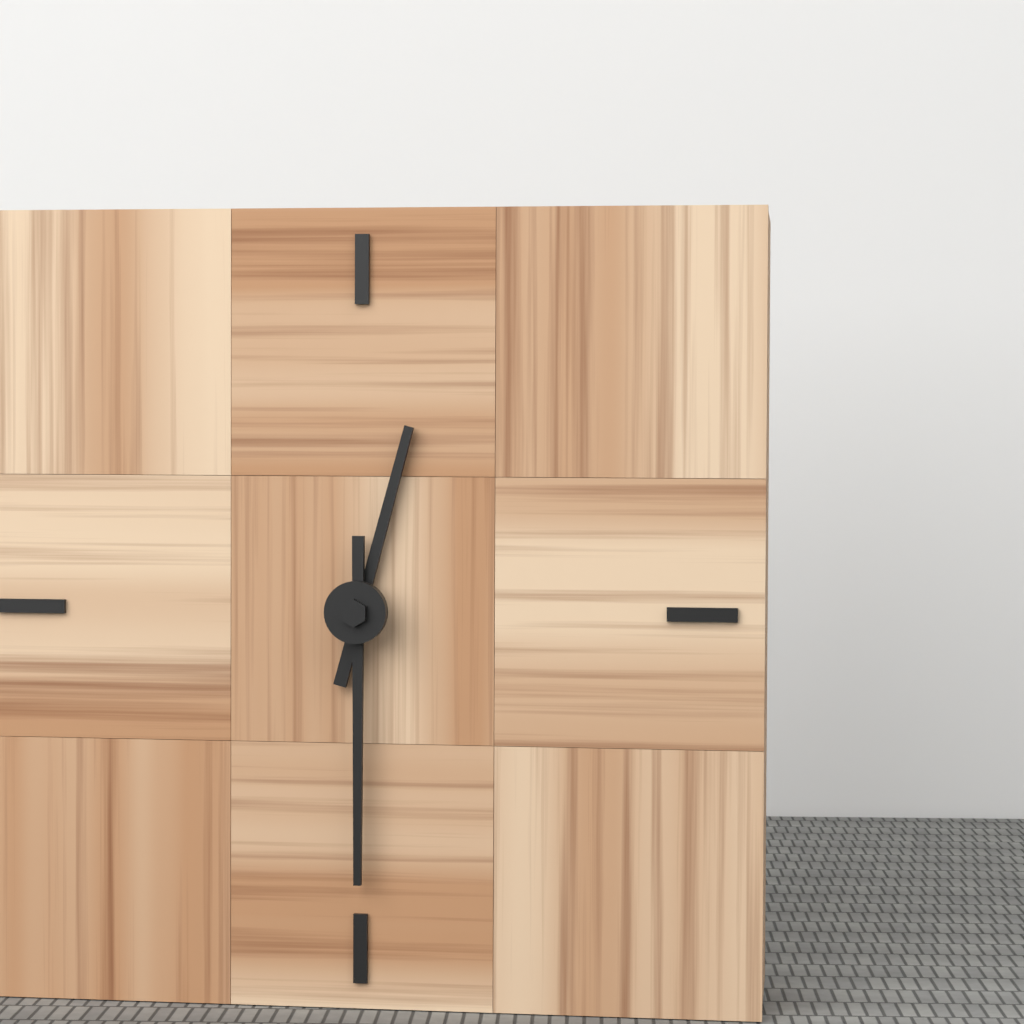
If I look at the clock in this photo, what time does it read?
12:30
